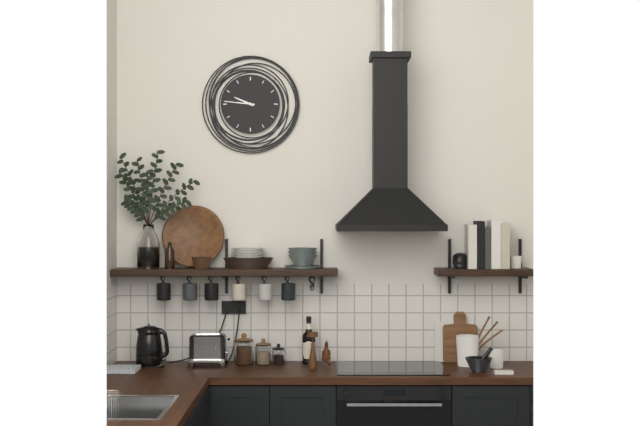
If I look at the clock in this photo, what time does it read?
9:46
